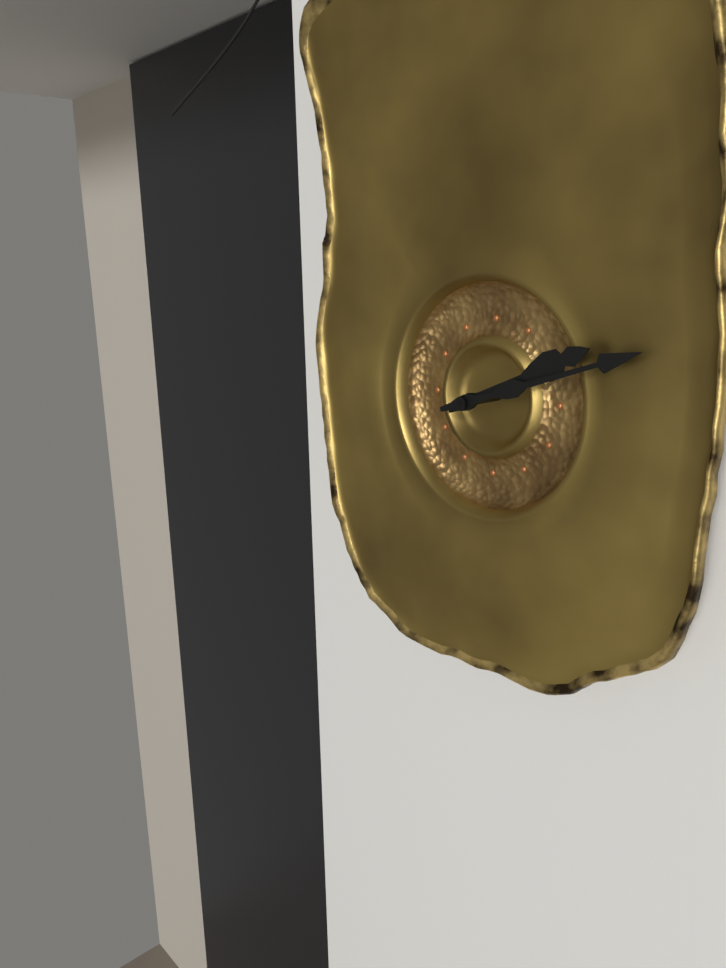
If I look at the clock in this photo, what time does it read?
2:12
